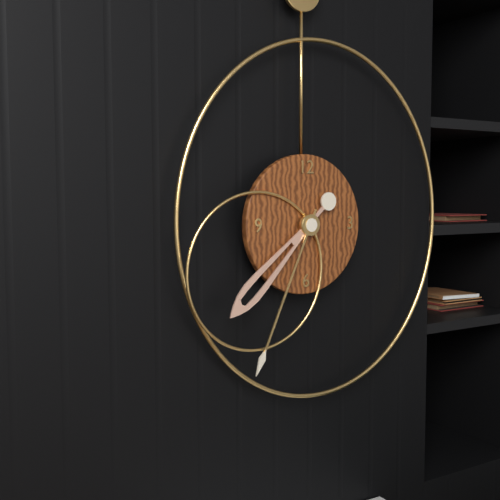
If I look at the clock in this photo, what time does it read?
7:34
